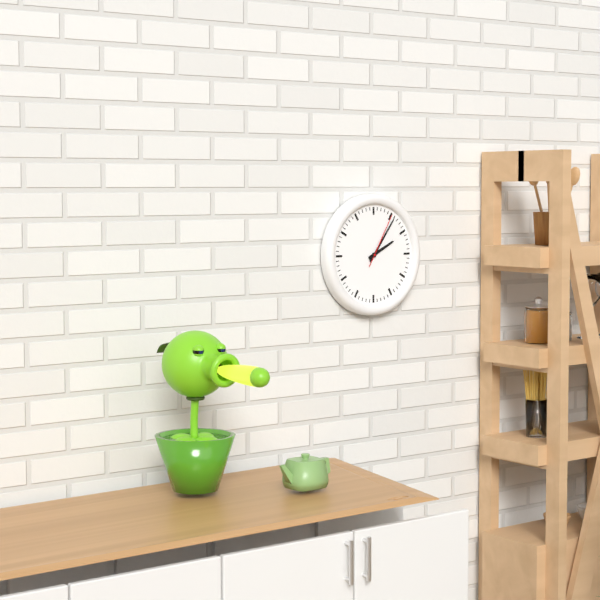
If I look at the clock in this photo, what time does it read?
2:06:05
